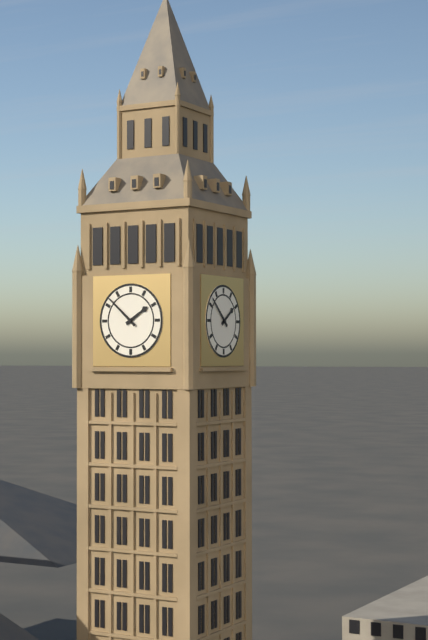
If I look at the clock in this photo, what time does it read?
1:52
